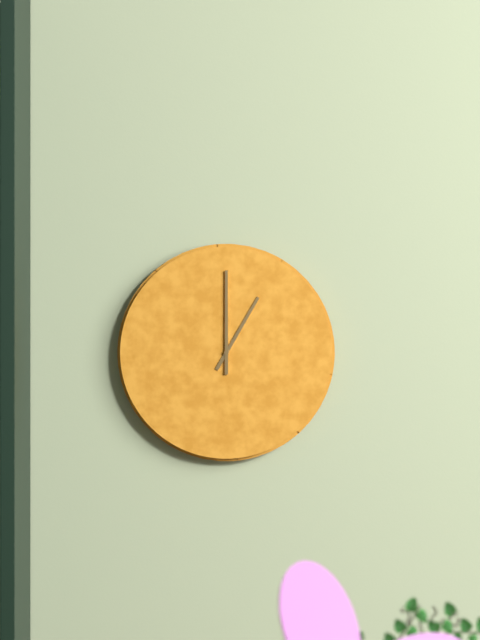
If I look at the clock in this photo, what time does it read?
1:00
